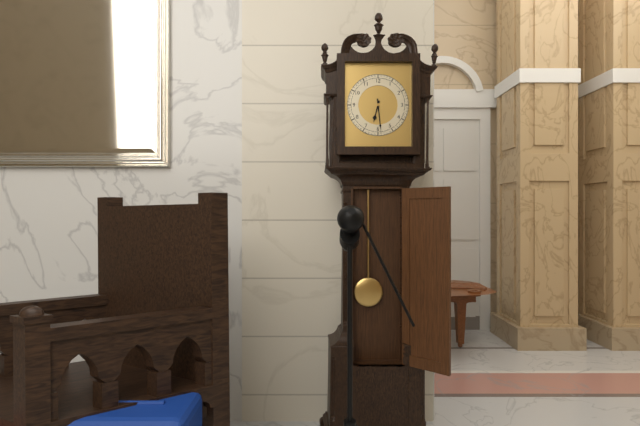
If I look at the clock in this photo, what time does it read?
6:29
